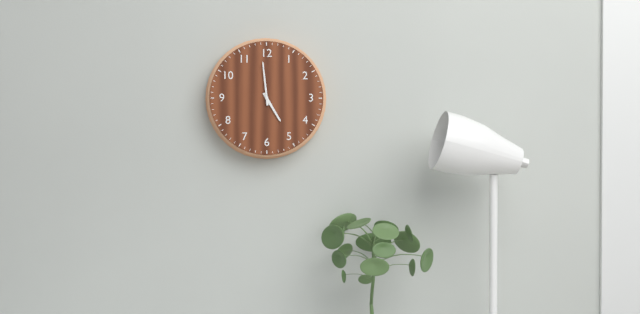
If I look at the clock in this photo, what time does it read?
4:59
